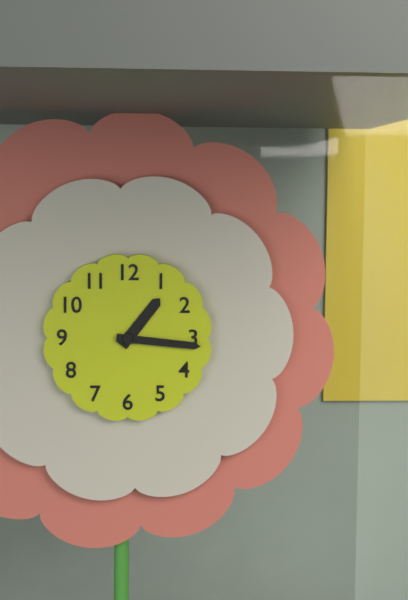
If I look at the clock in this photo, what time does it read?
1:16
